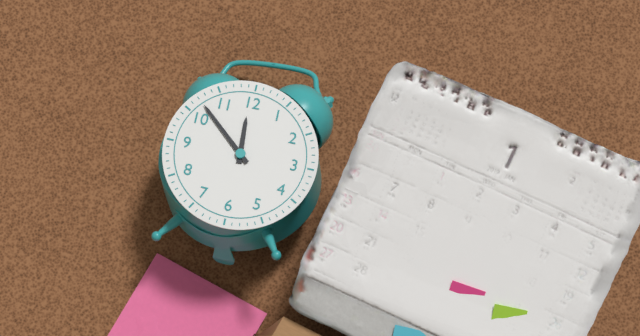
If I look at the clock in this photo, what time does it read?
11:52
